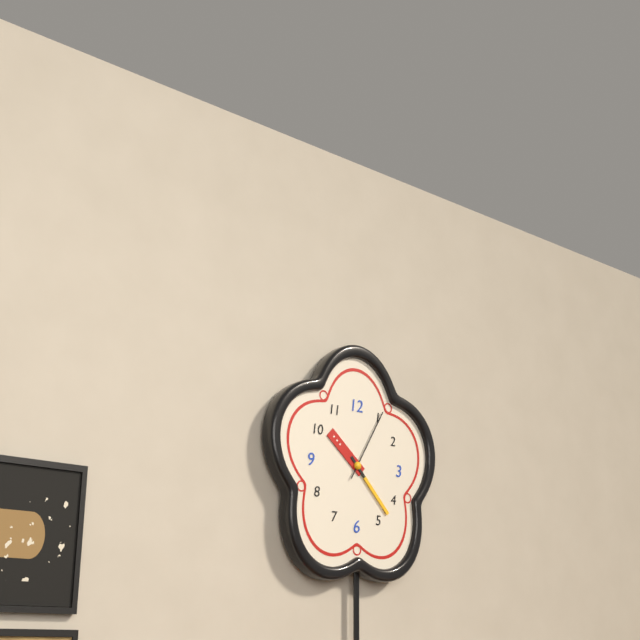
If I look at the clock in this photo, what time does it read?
10:23:05
